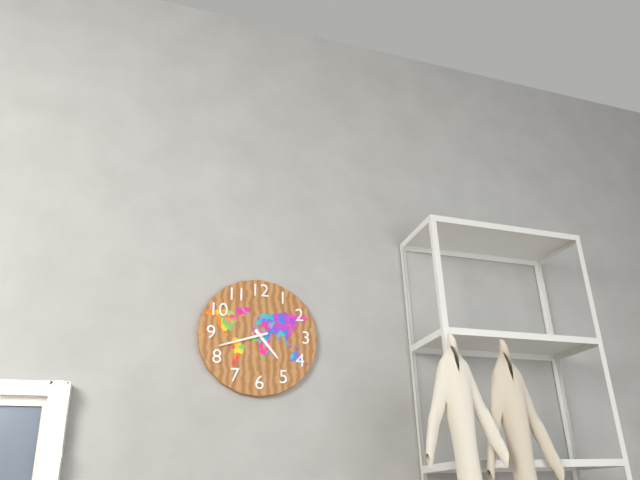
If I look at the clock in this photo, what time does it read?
4:42
